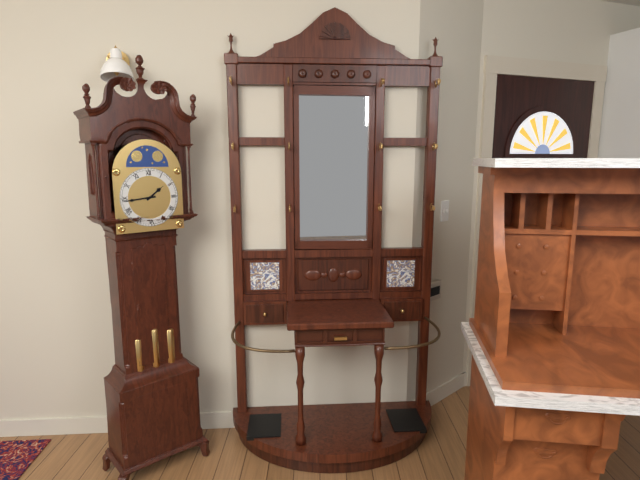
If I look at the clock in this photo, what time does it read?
1:44
